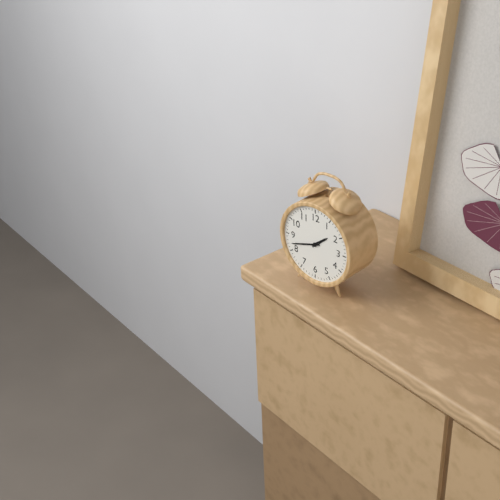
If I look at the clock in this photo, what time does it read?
1:42
